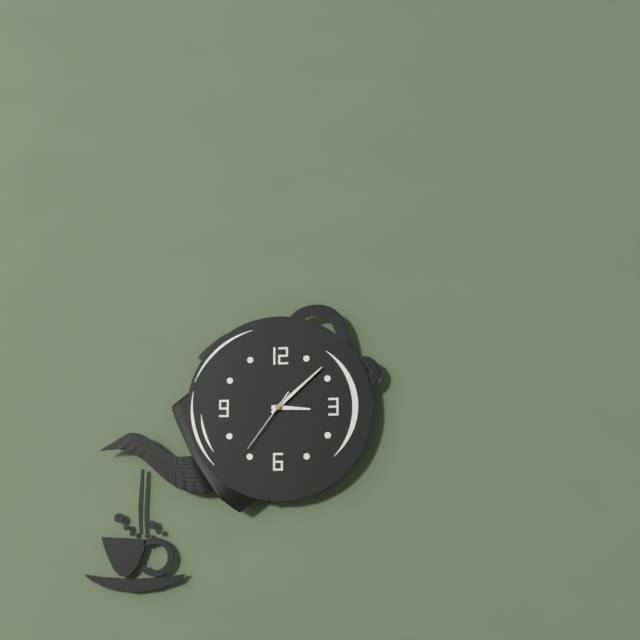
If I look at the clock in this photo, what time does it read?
3:08:36
